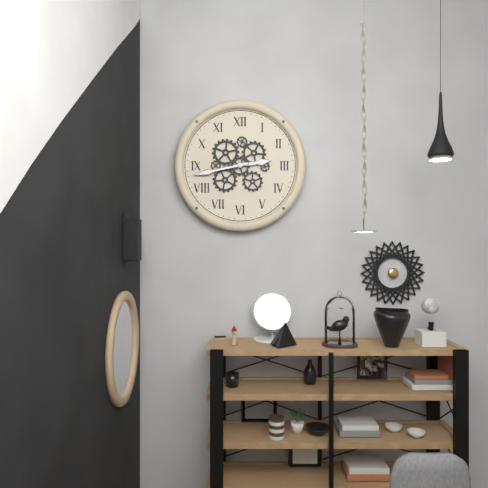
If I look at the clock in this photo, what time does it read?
2:43
